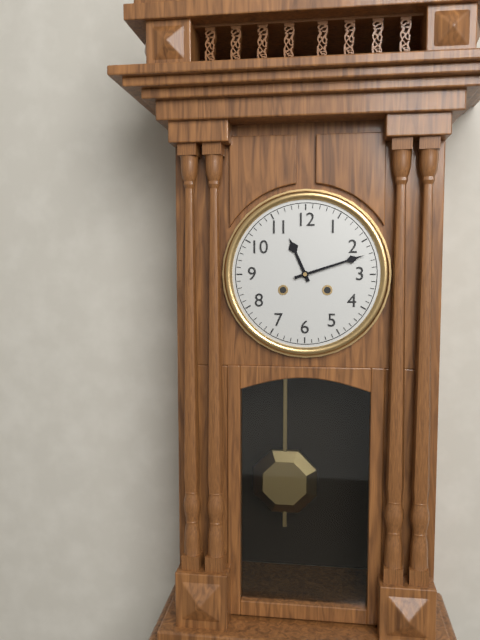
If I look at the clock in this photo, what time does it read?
11:12
